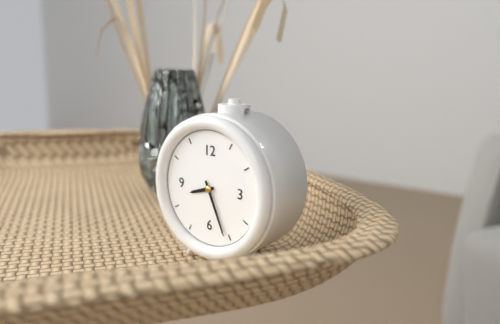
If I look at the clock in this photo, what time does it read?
8:26
